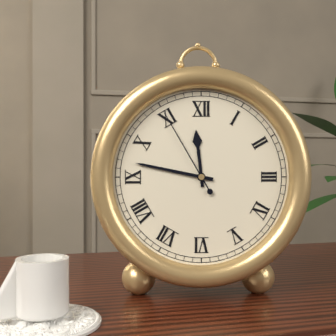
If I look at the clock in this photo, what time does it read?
11:47:55
